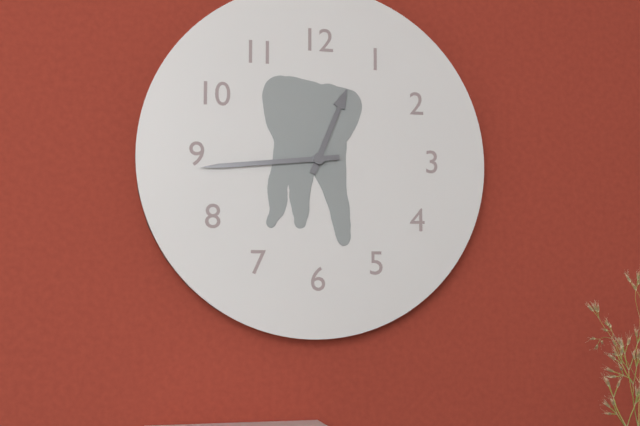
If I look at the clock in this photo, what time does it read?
12:44
